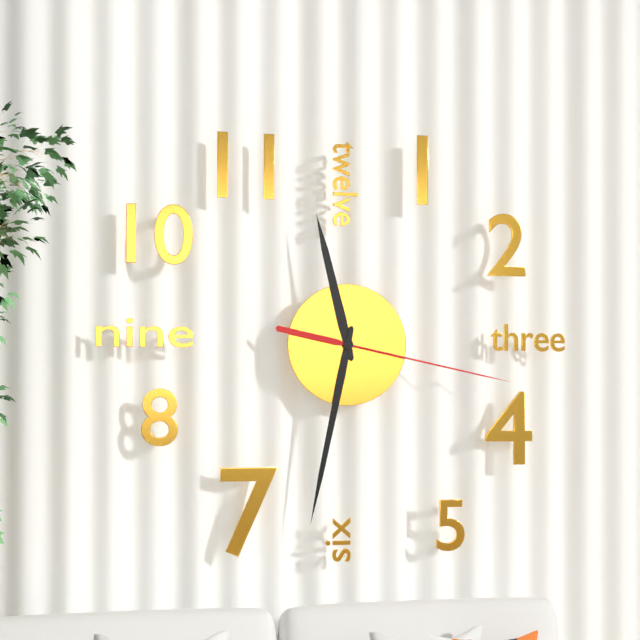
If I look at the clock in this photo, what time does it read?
11:32:17
